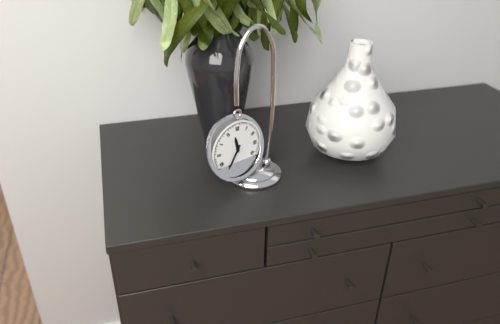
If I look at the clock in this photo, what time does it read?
11:35
